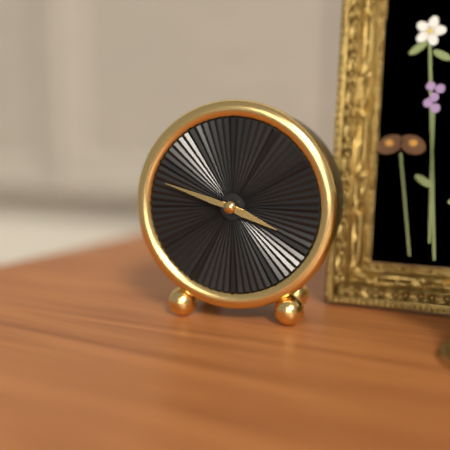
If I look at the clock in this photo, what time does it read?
3:48
